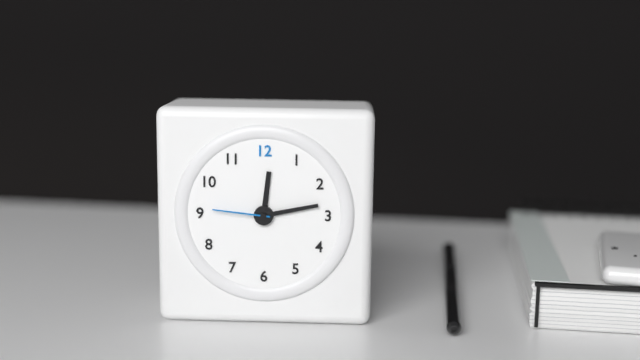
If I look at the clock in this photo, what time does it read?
12:13:46
